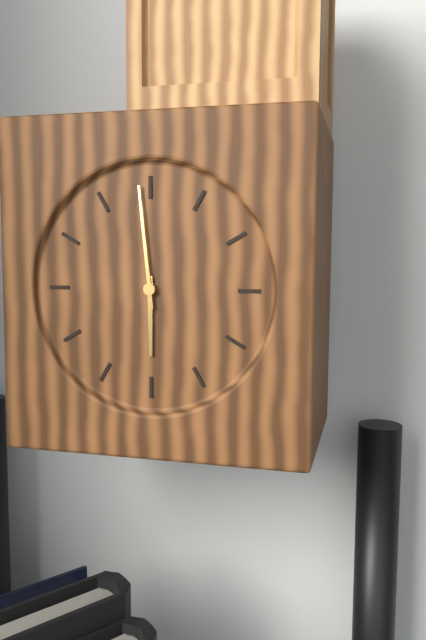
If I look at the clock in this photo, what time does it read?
5:59
